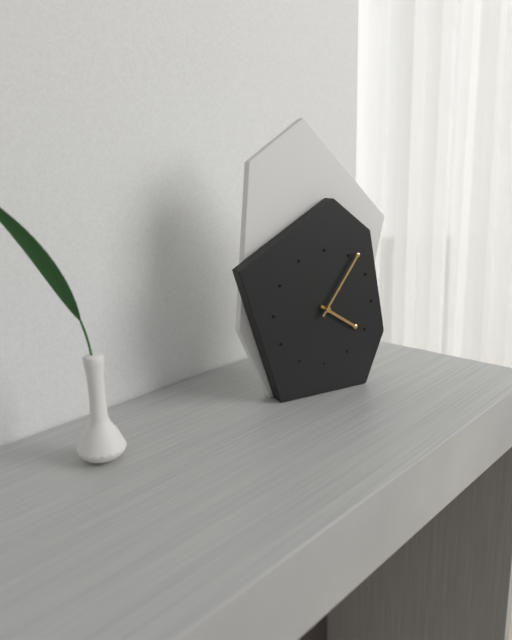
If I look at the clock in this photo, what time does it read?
4:06
